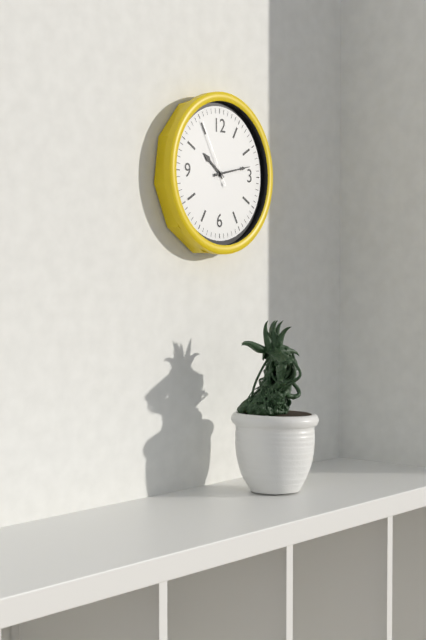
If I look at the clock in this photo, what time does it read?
10:13:55
